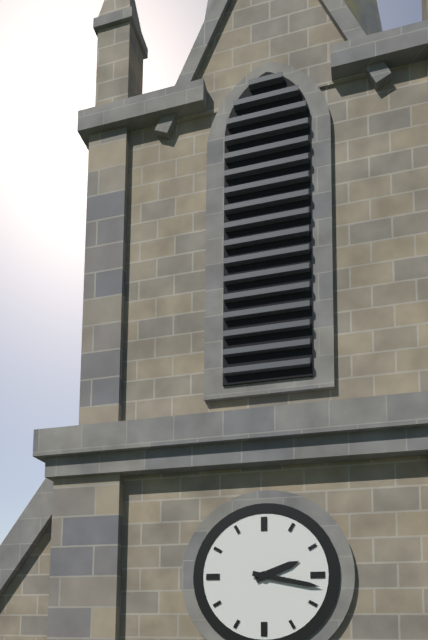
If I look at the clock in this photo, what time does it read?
2:17
